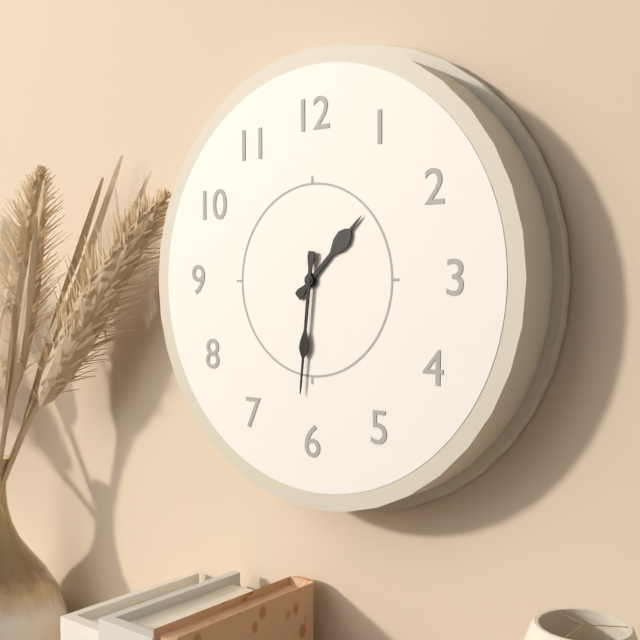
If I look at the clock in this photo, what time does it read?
1:31
